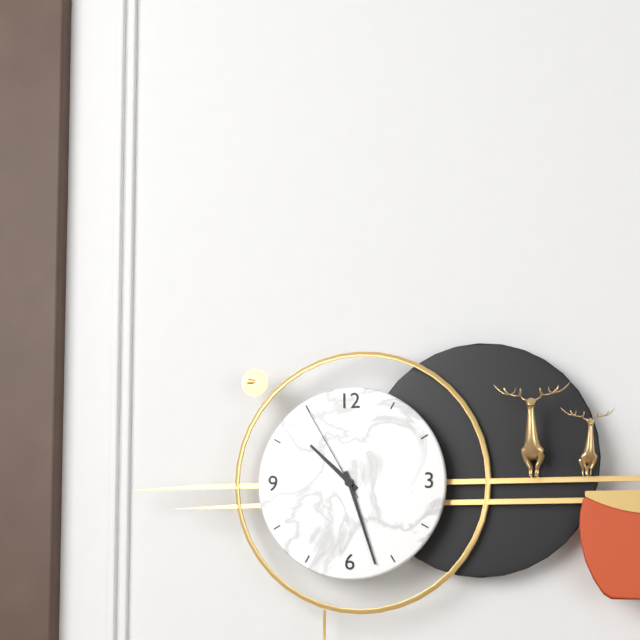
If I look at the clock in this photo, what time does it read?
10:27:55
